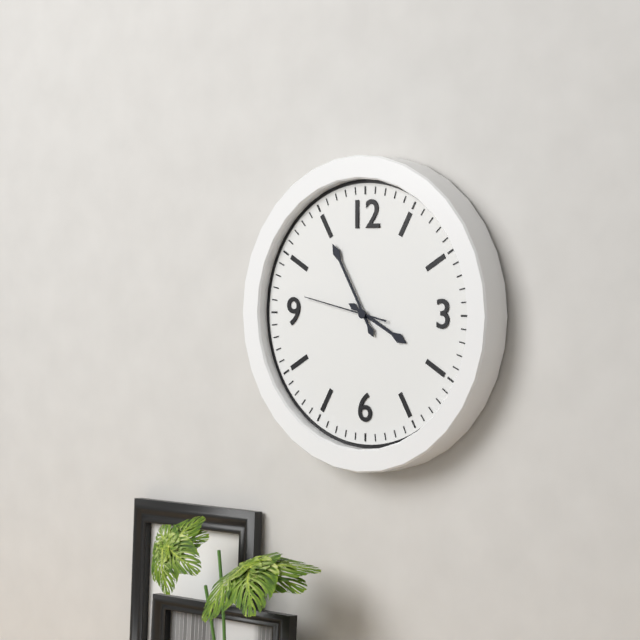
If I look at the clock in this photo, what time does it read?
3:55:47
